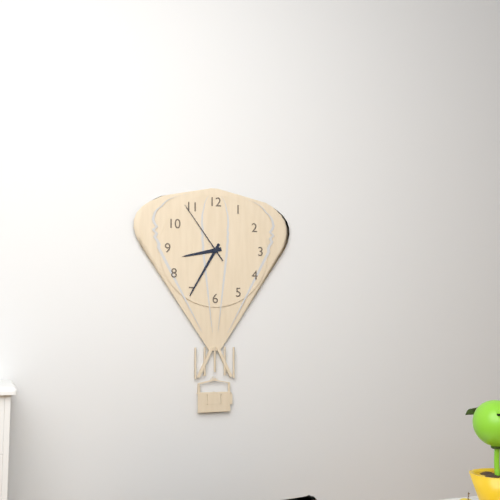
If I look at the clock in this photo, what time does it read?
8:35:54
